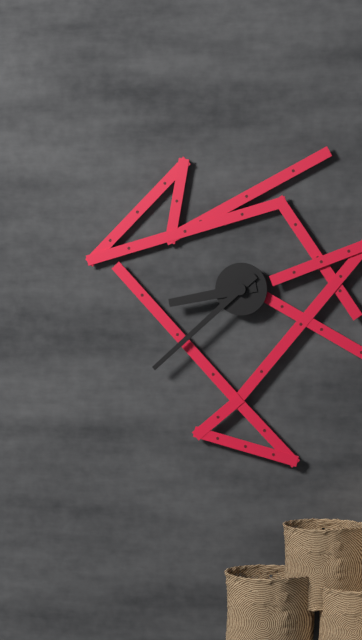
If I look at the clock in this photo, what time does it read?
8:38
